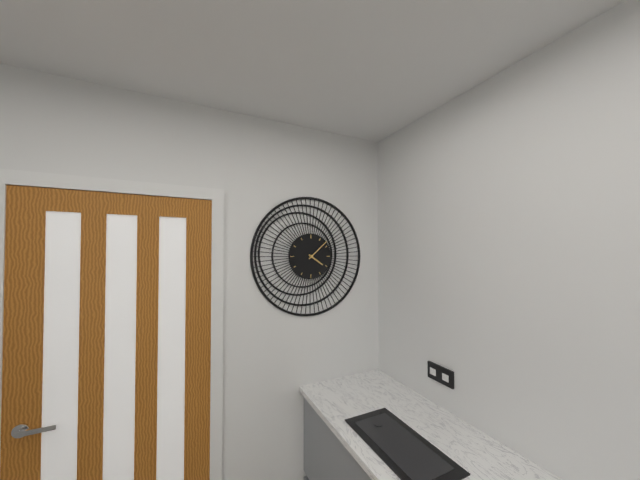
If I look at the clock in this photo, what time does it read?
4:08
